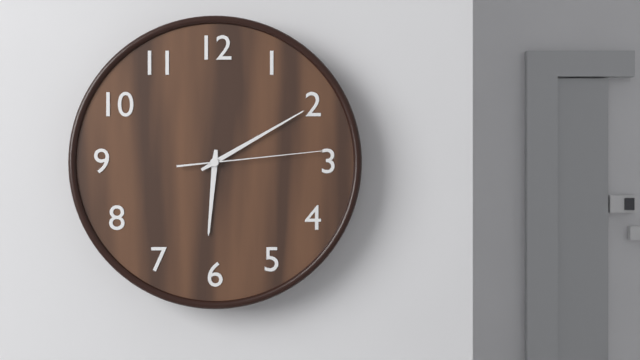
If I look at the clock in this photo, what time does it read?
6:10:14
